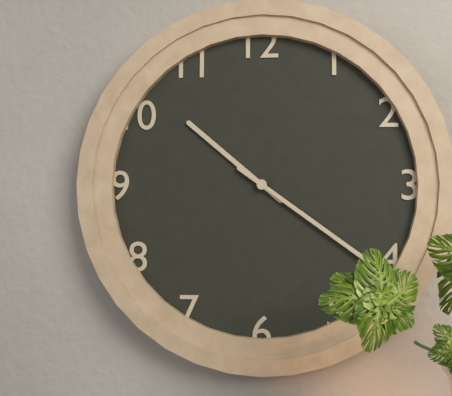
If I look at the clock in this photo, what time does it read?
10:21
